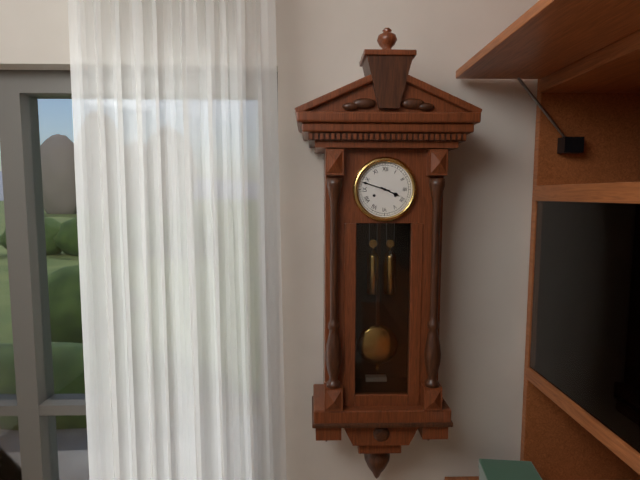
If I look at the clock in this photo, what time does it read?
3:48
